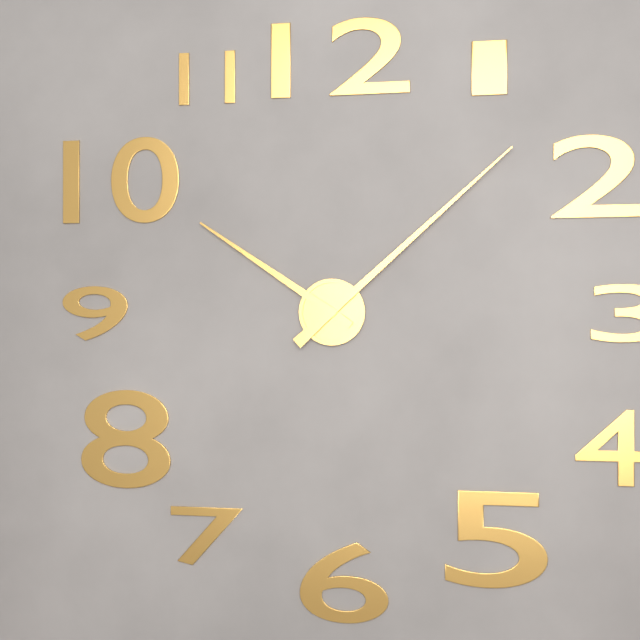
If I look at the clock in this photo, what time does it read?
10:08
